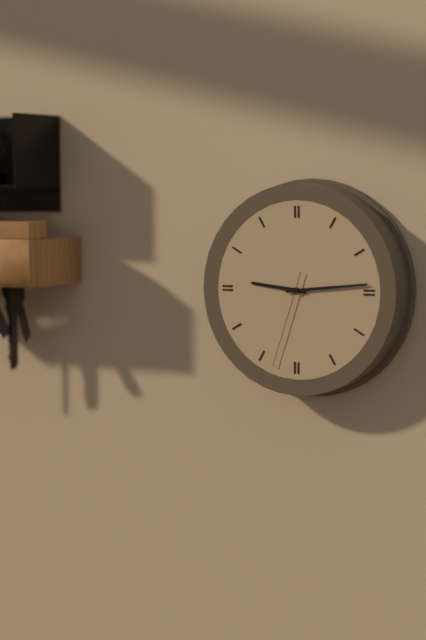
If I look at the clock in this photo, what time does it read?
9:14:33
